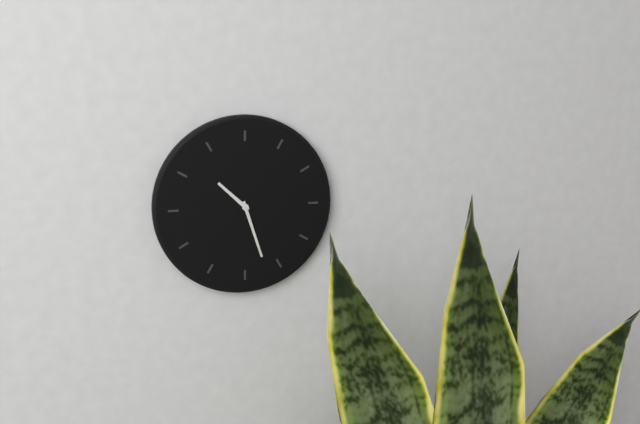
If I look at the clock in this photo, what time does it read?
10:27
